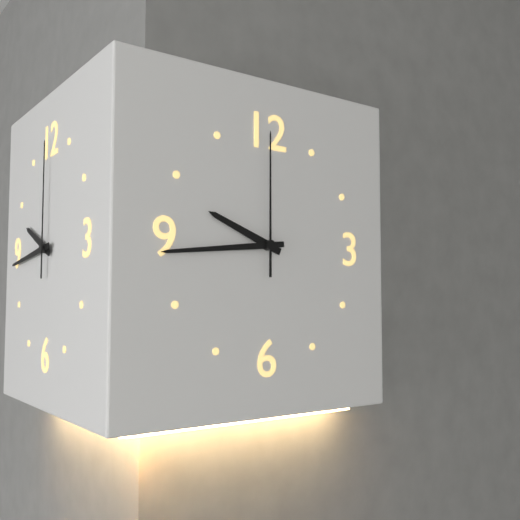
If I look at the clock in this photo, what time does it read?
9:44:00
